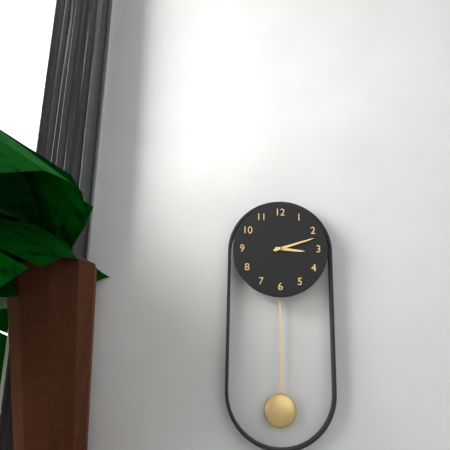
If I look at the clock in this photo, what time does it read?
3:12
